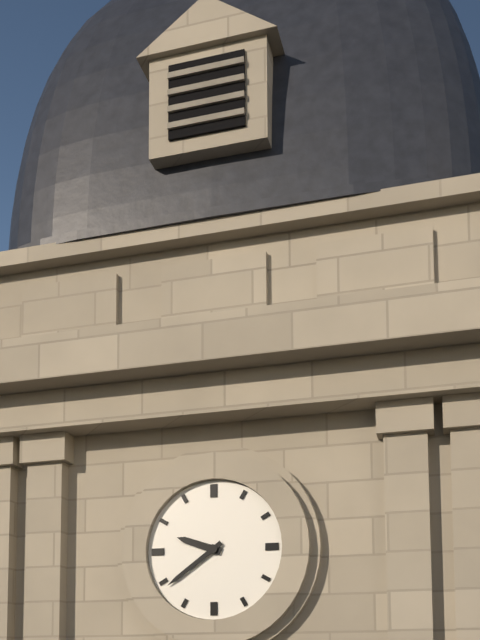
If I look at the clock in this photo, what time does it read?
9:39
